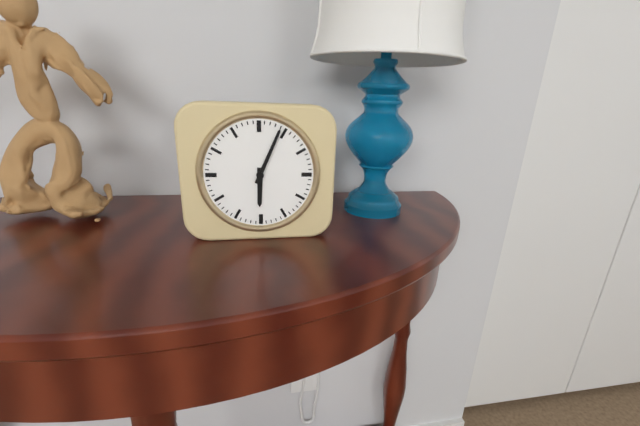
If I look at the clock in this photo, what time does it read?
6:04
